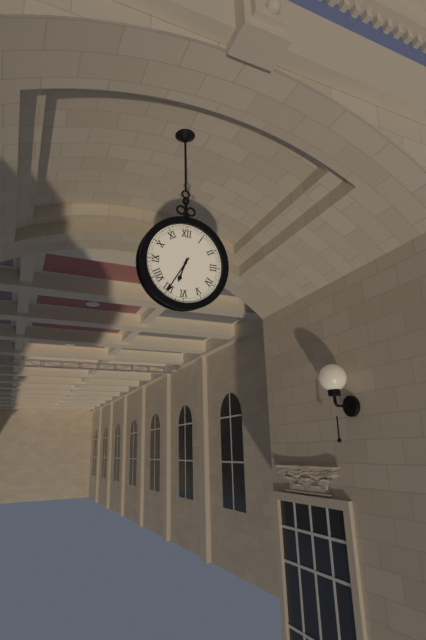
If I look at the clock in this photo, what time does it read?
6:35
